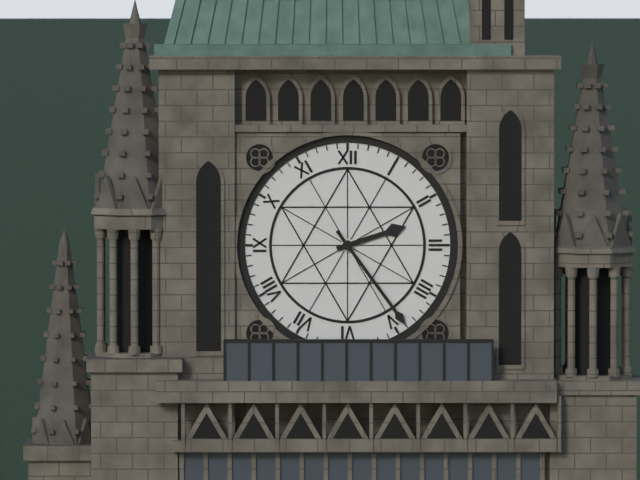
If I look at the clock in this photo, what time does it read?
2:24
